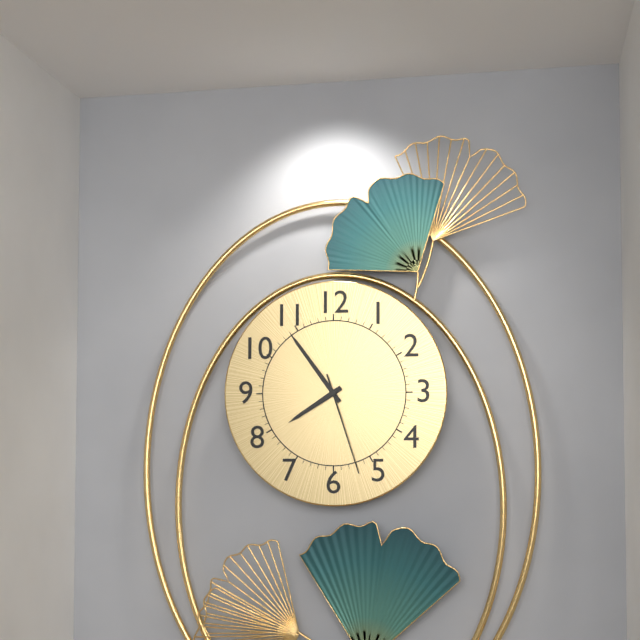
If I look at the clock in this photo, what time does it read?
7:54:27
